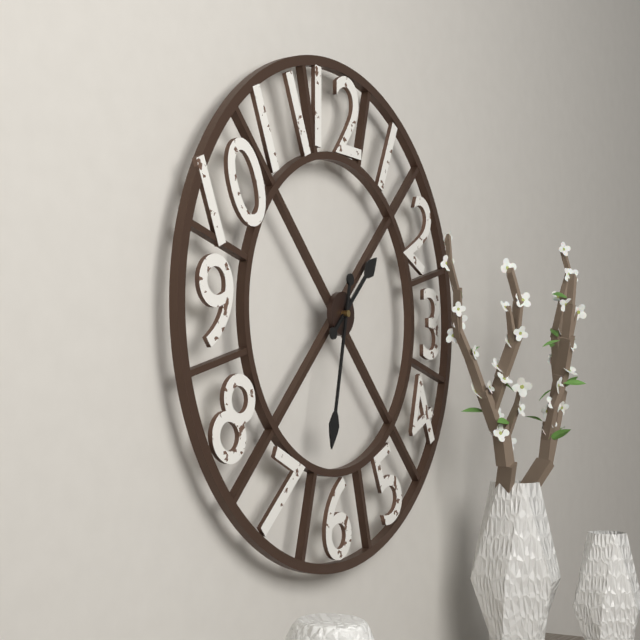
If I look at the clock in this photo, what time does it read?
1:32
